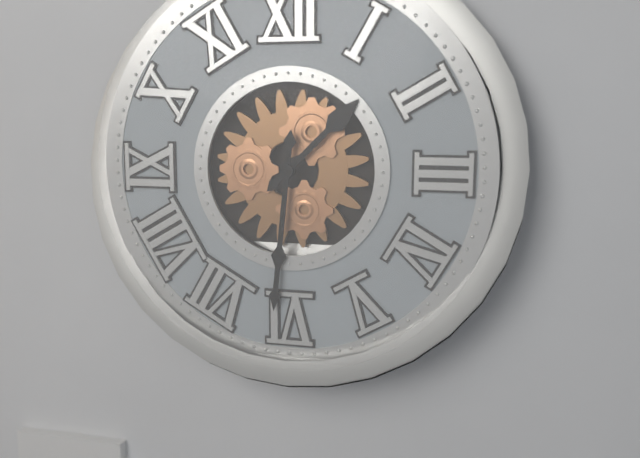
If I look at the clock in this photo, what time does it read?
1:31
